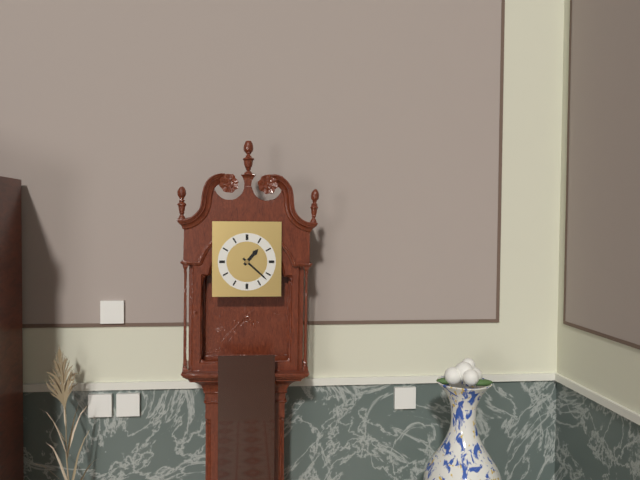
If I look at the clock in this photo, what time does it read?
1:22
